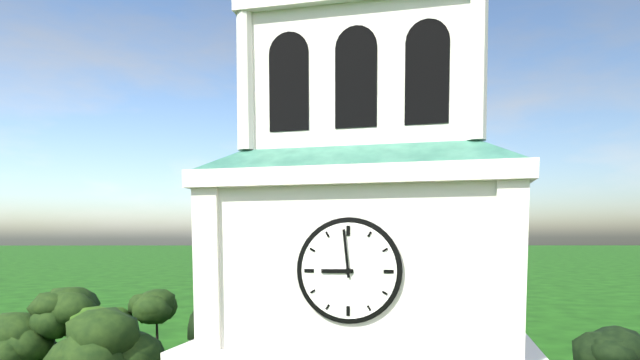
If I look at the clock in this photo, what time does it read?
8:59
